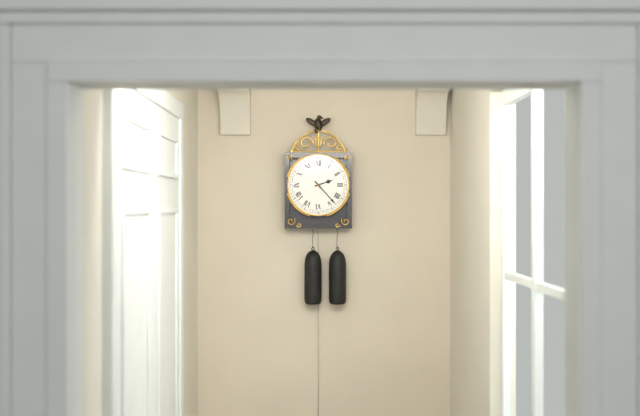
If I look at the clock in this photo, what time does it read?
2:23
